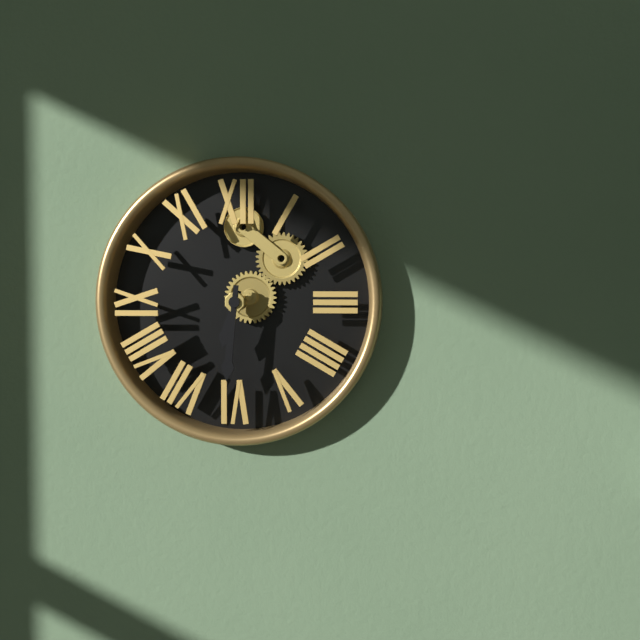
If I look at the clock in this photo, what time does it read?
6:31
